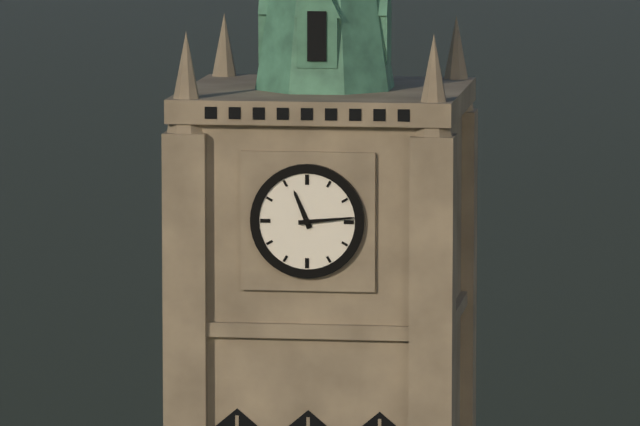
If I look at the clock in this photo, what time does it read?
11:14
